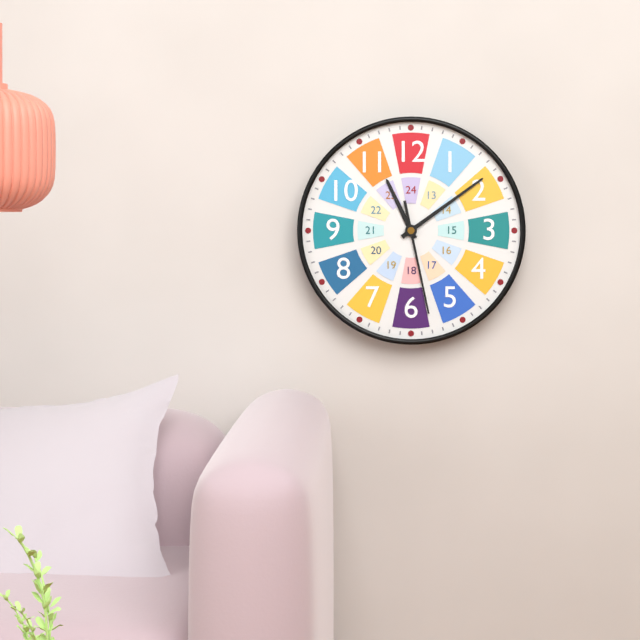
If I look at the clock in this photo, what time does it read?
11:09:28
